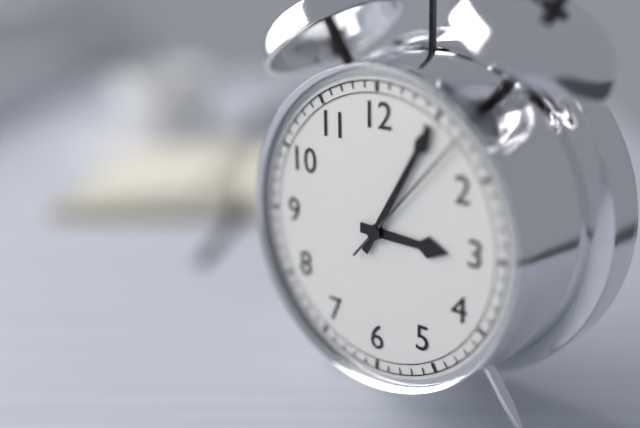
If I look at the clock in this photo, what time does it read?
3:05:07
